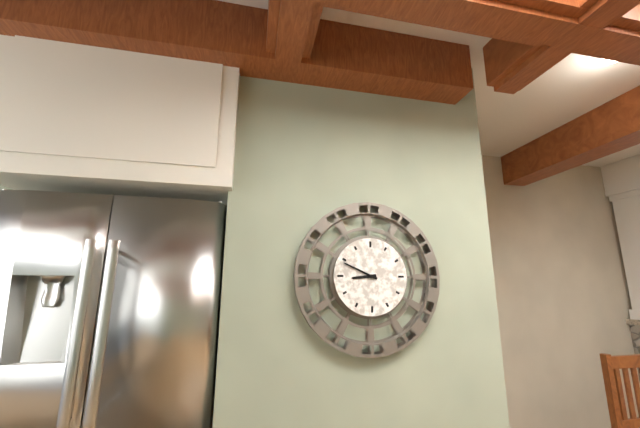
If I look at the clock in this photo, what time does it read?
8:49
